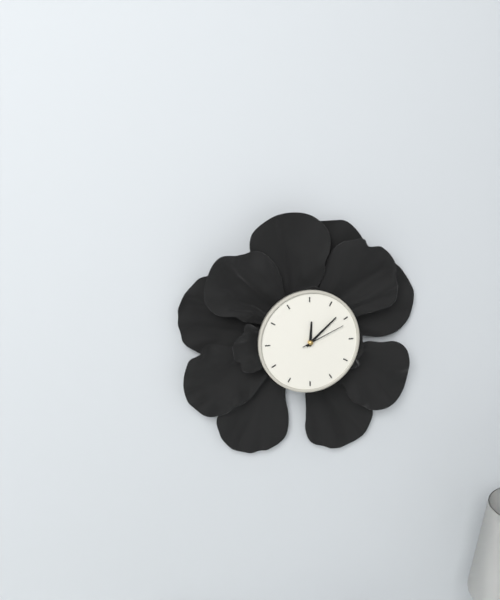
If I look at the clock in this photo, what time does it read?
12:08
